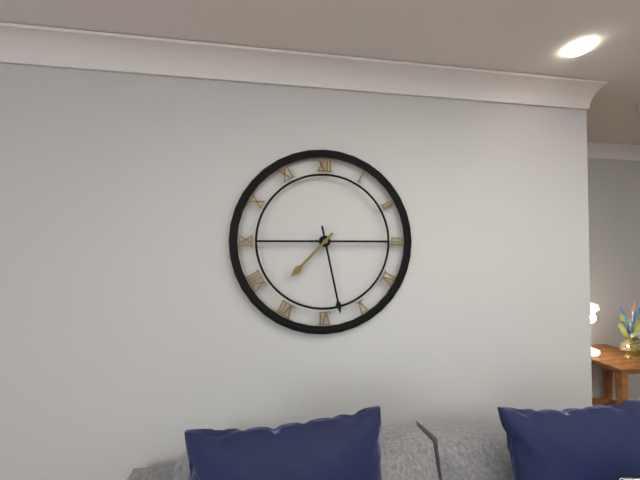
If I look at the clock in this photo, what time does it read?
7:28
